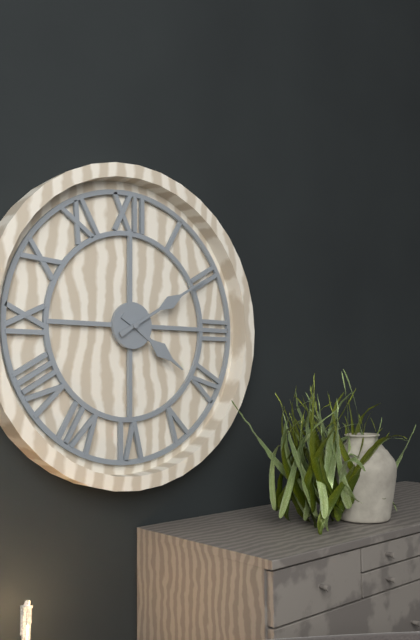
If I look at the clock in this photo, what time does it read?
4:10
